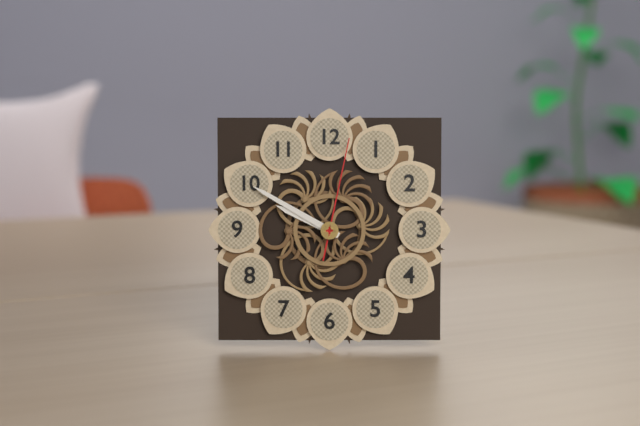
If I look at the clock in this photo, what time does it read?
9:50:02
